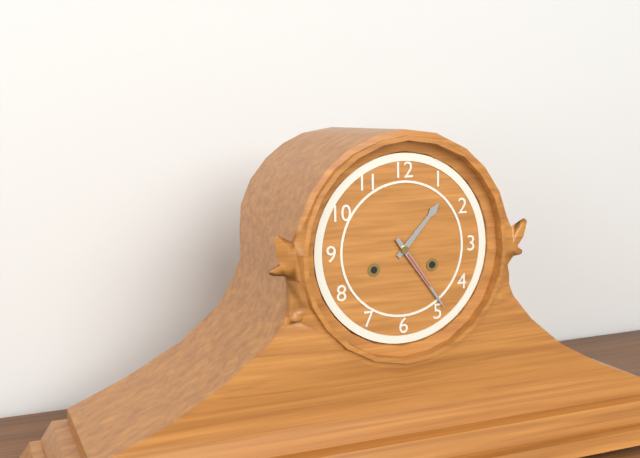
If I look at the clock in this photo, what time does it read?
1:24
